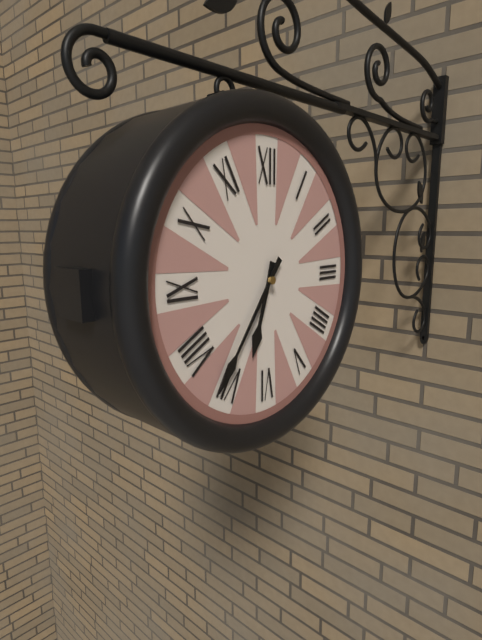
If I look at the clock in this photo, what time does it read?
6:36
